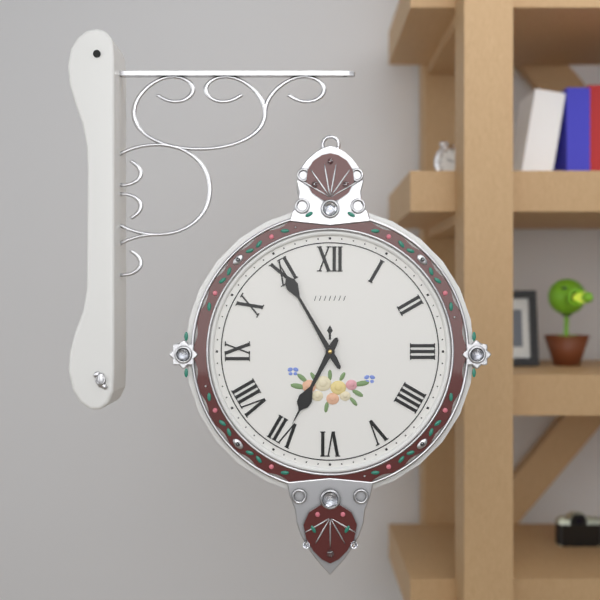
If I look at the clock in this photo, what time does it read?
6:55
